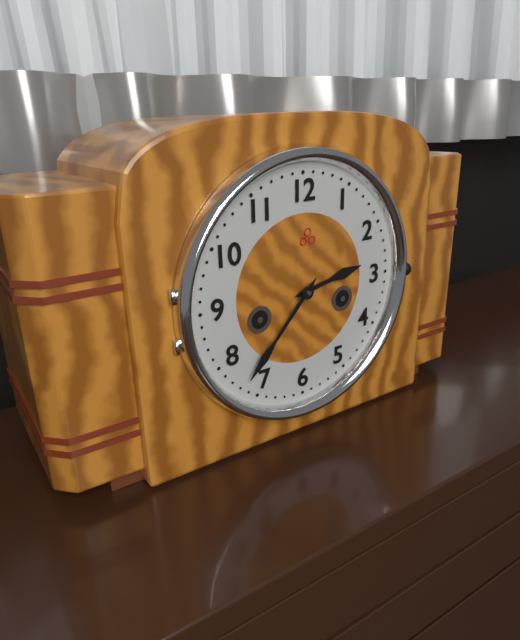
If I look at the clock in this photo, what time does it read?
2:37
